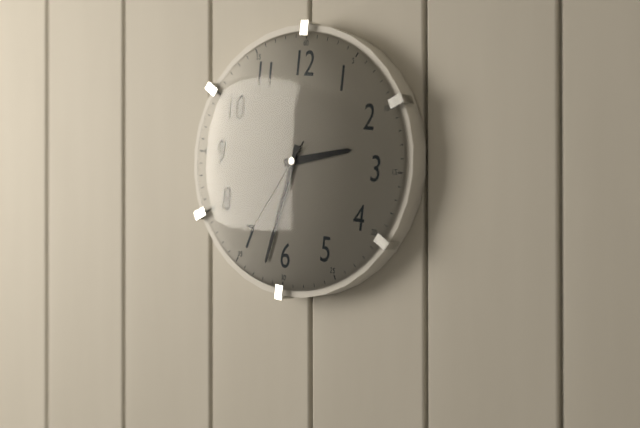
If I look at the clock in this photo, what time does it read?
2:32:35
